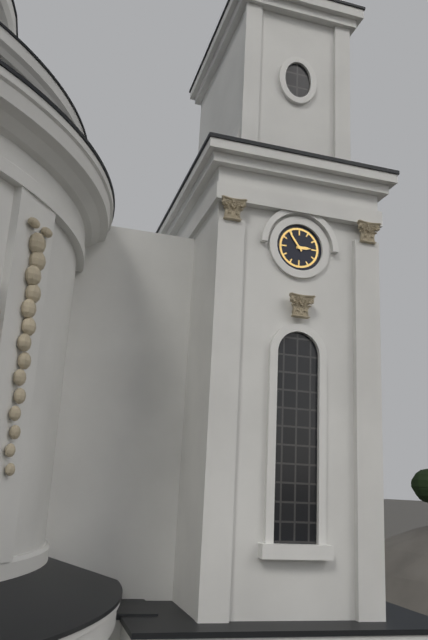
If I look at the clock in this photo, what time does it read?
2:54
